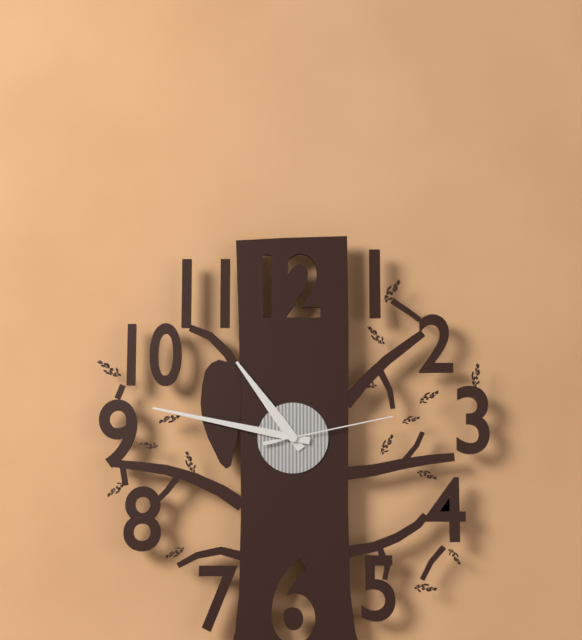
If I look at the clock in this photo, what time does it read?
10:47:13
